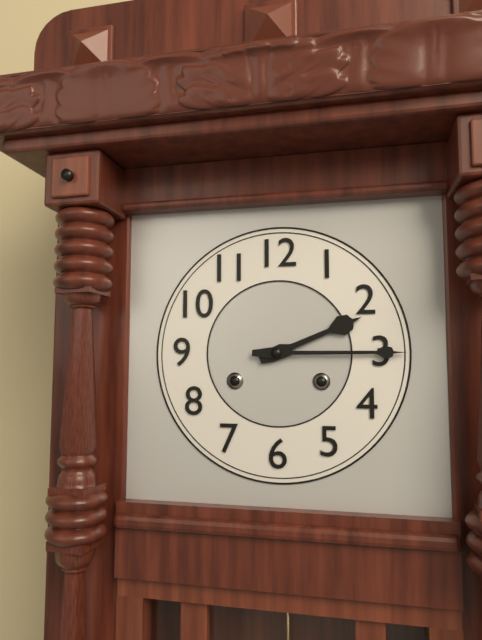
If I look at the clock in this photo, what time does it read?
2:15
